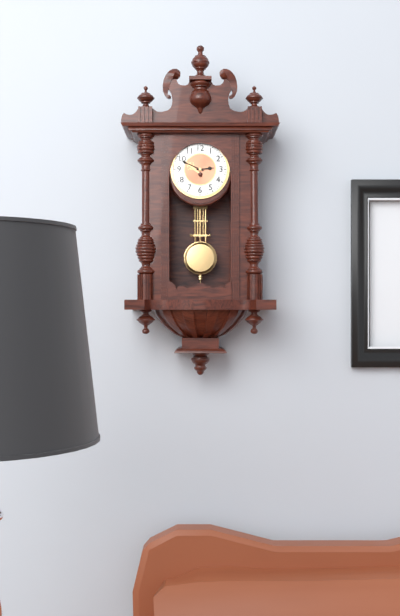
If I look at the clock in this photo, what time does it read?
2:49
